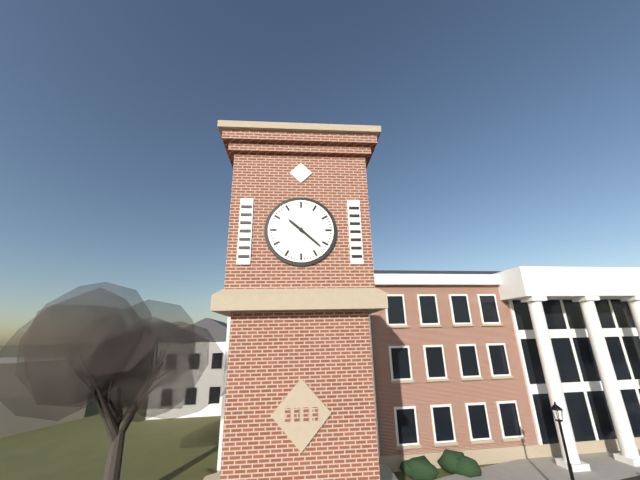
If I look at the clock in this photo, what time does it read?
10:22
